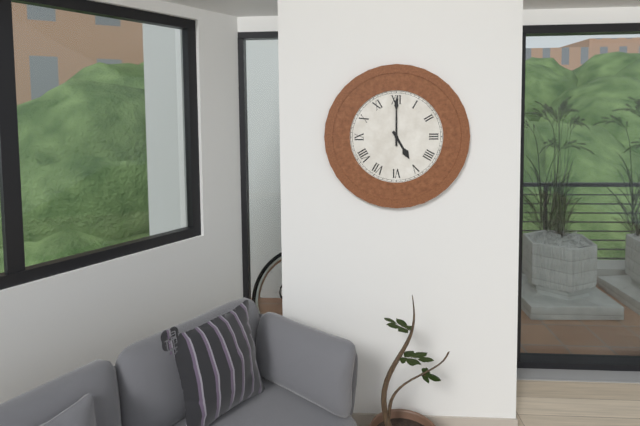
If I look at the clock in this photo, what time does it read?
5:00
